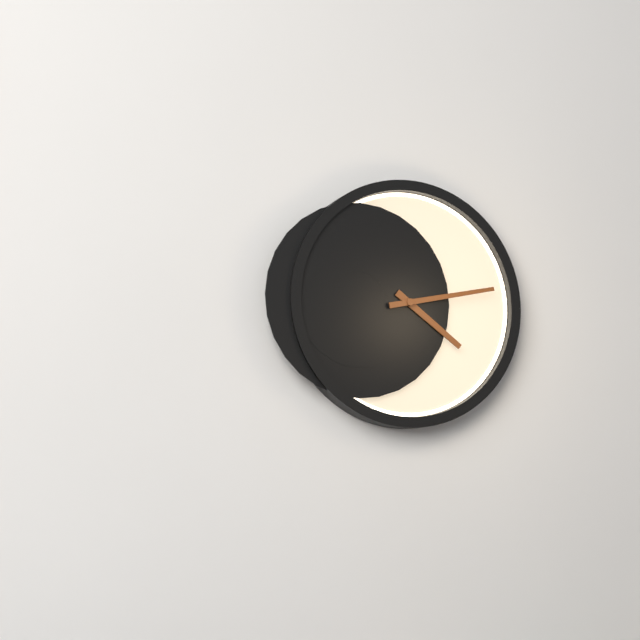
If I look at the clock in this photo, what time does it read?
4:13
